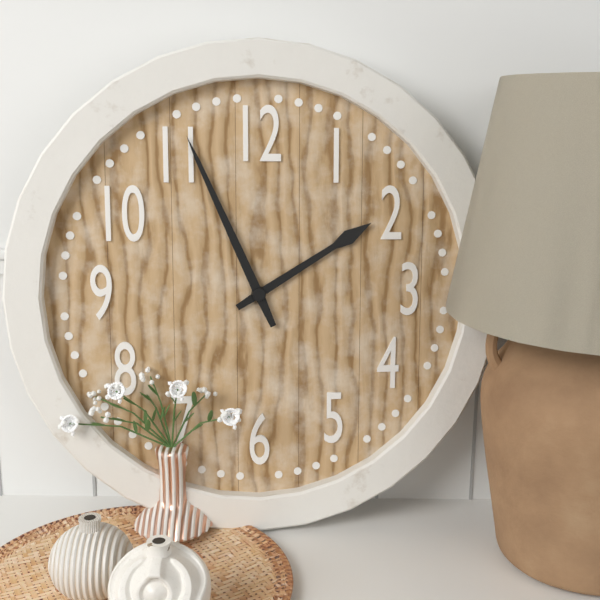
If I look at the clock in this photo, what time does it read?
1:56
